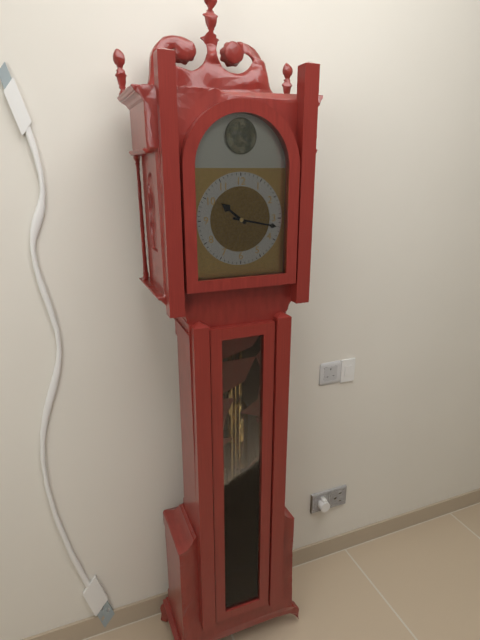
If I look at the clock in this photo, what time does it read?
10:17
